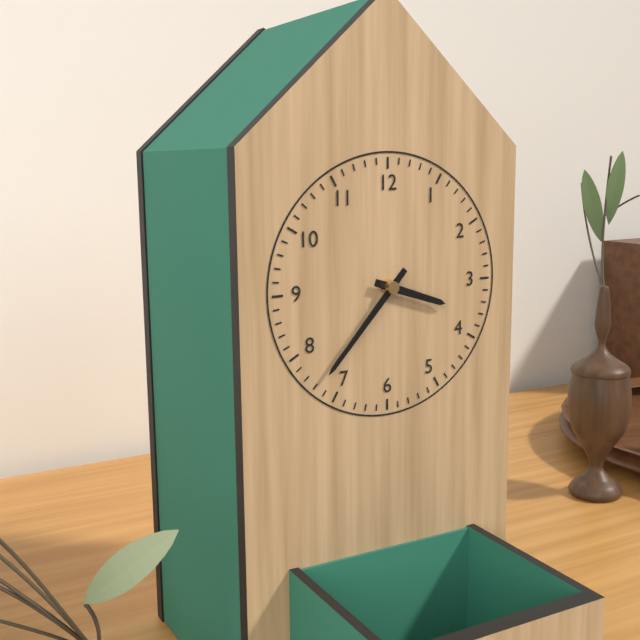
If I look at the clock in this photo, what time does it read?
3:37
